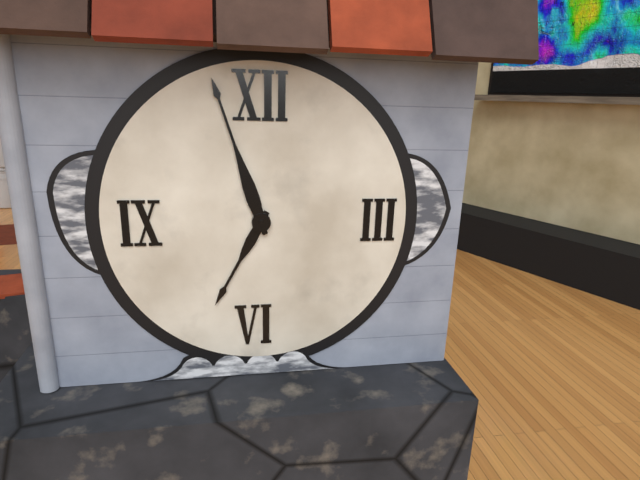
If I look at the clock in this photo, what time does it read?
6:57
